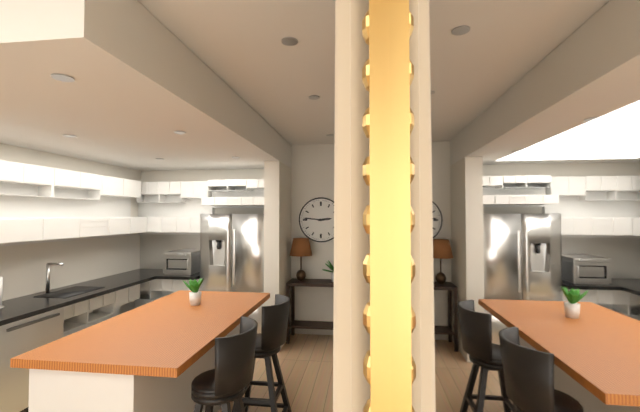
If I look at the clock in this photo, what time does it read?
2:46
